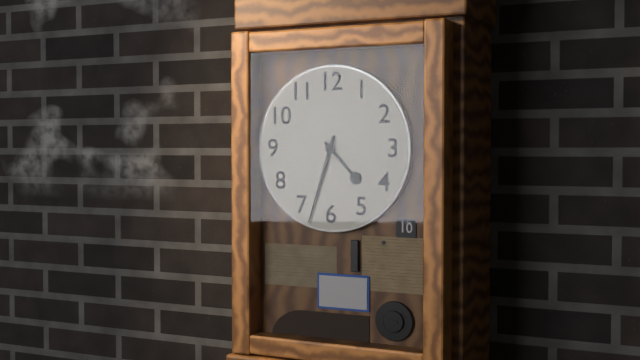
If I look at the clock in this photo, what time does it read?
4:33
